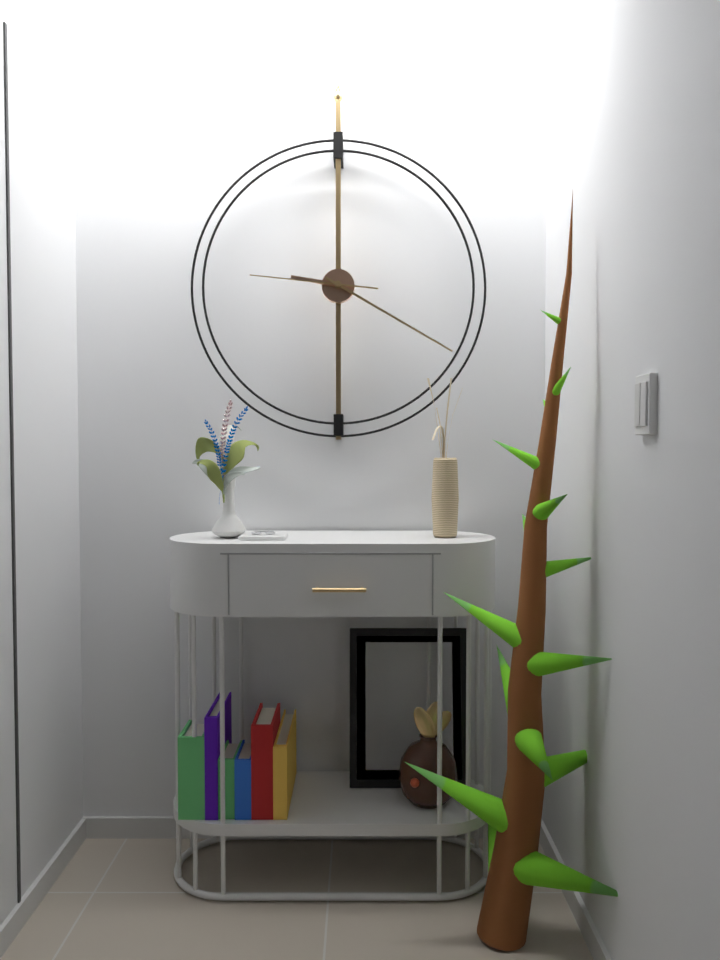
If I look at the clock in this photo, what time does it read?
9:20:46
